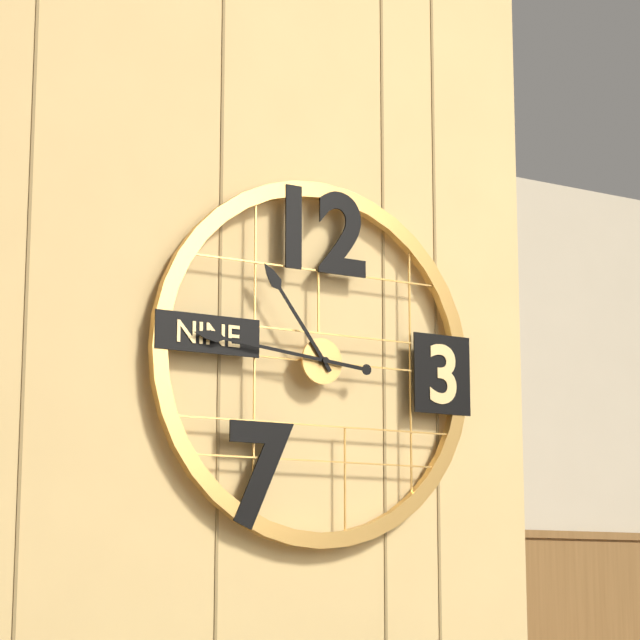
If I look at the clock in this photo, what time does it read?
10:46
